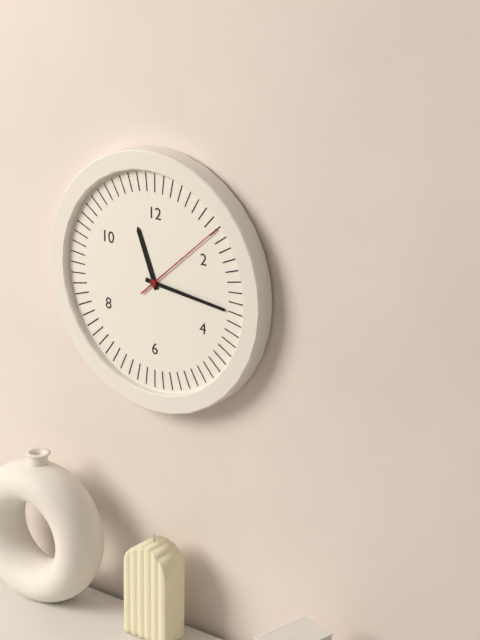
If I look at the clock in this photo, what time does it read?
11:16:08
